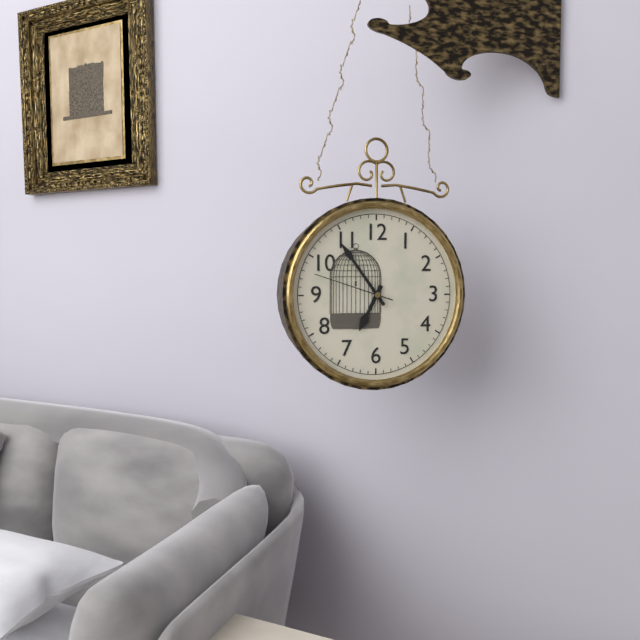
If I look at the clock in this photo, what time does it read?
6:54:48
